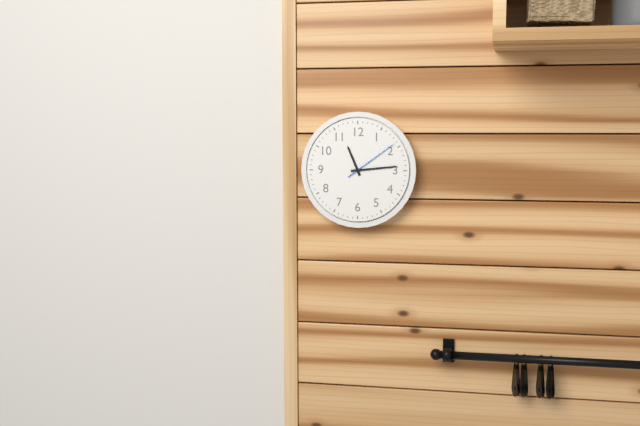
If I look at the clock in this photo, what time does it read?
11:14:09
